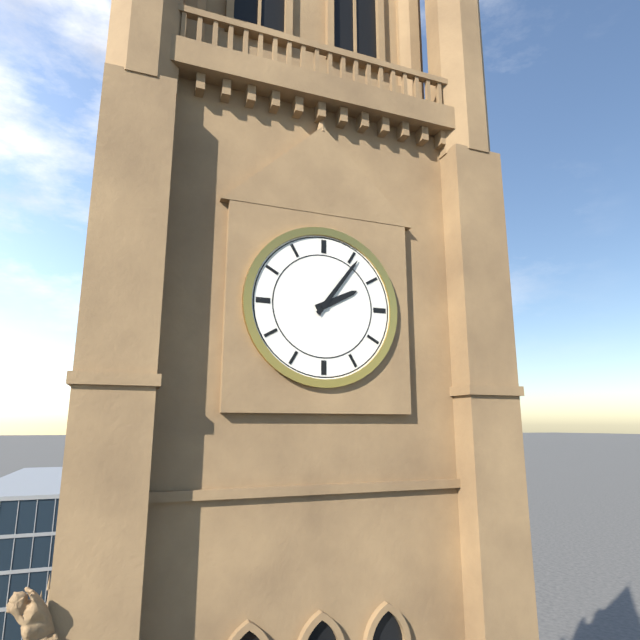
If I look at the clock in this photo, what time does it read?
2:06
